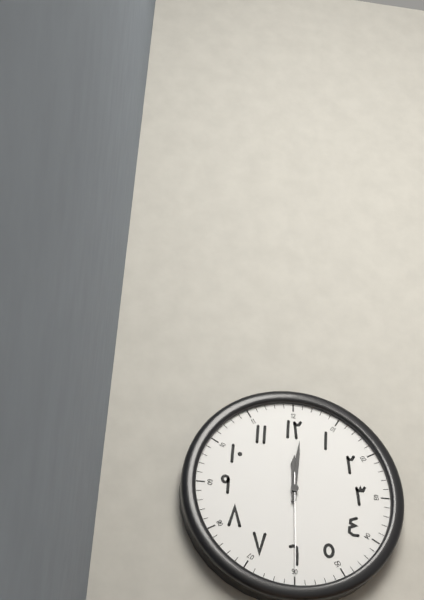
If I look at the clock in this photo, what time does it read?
12:01:30
